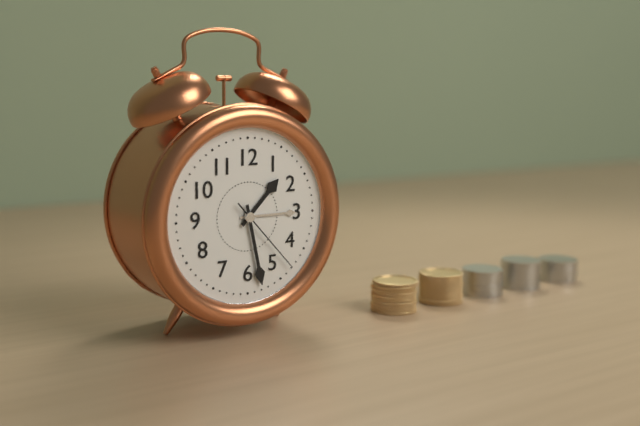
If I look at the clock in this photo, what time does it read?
1:28:23
